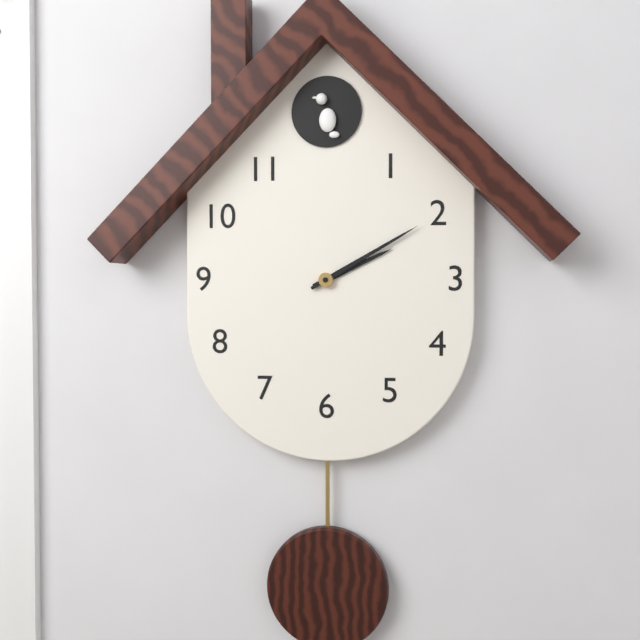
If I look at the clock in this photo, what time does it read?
2:10
